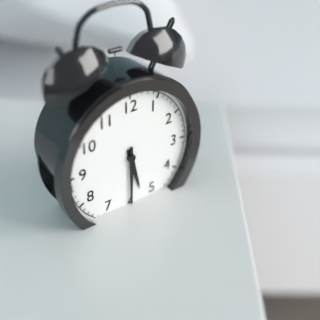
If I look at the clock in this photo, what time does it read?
5:30
